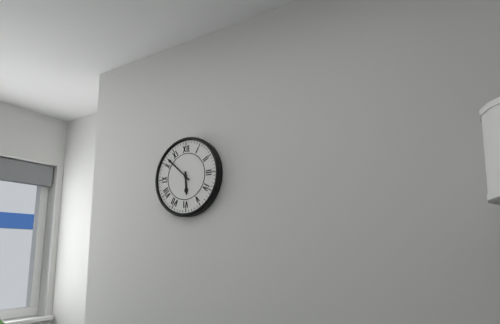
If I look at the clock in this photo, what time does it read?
5:52
